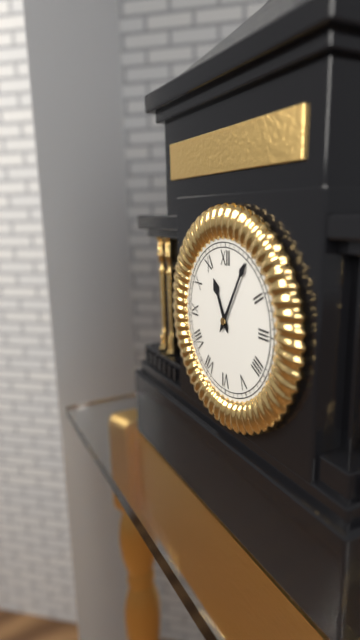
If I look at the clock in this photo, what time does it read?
11:05
